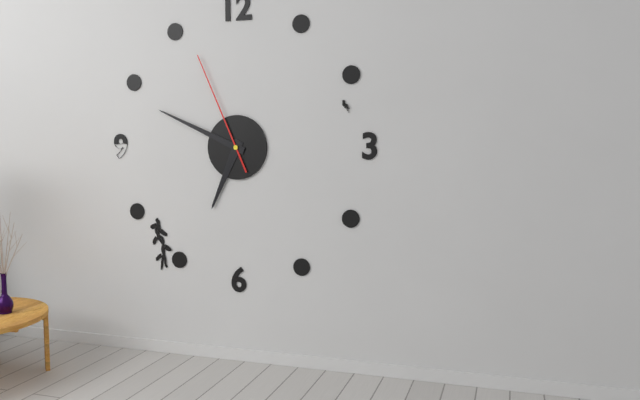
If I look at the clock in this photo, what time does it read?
6:49:56
